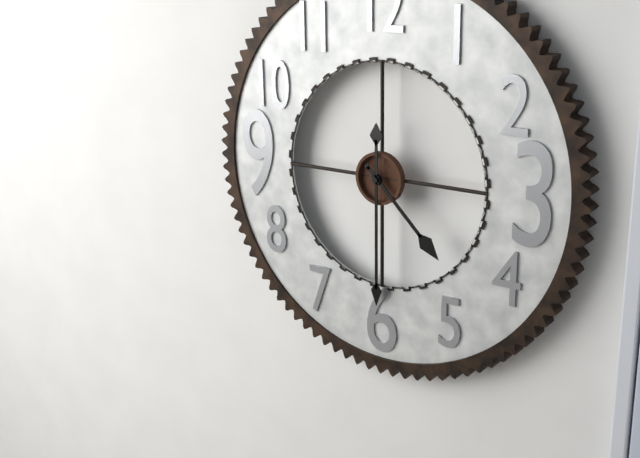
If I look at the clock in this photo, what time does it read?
4:30
